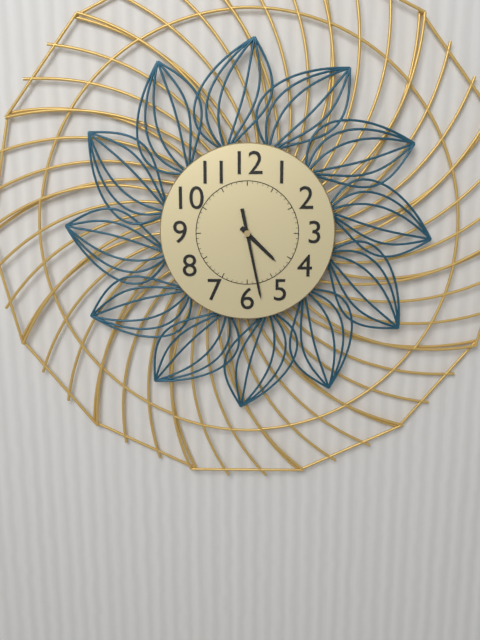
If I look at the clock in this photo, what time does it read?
4:28
